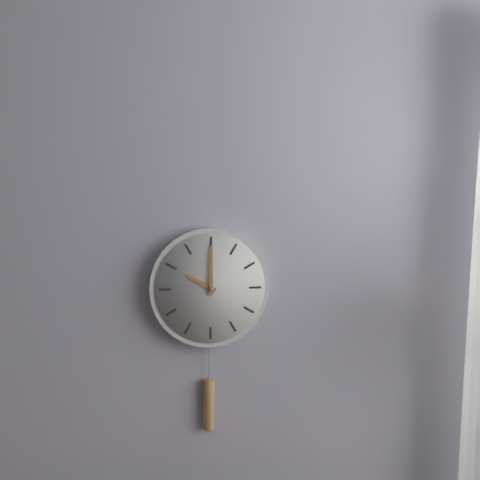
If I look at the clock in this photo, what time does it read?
10:00
